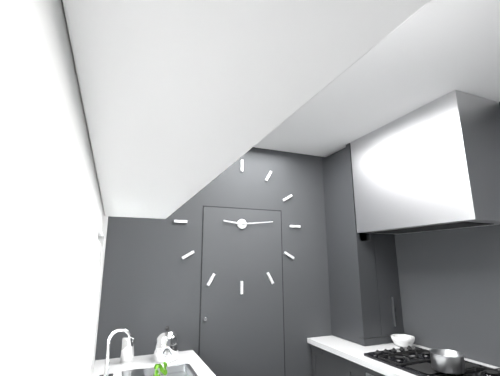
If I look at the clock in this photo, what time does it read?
9:14
